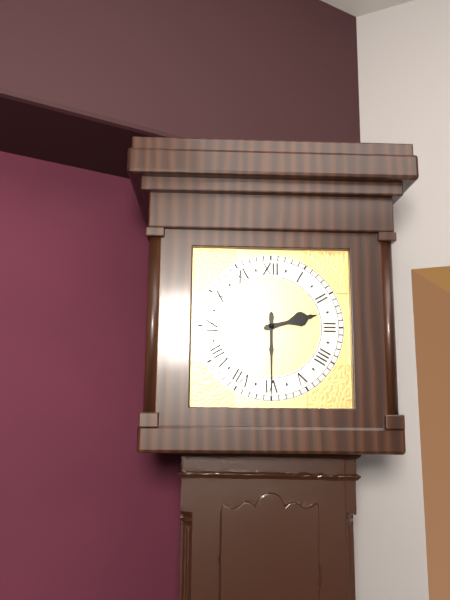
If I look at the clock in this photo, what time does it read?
2:30
